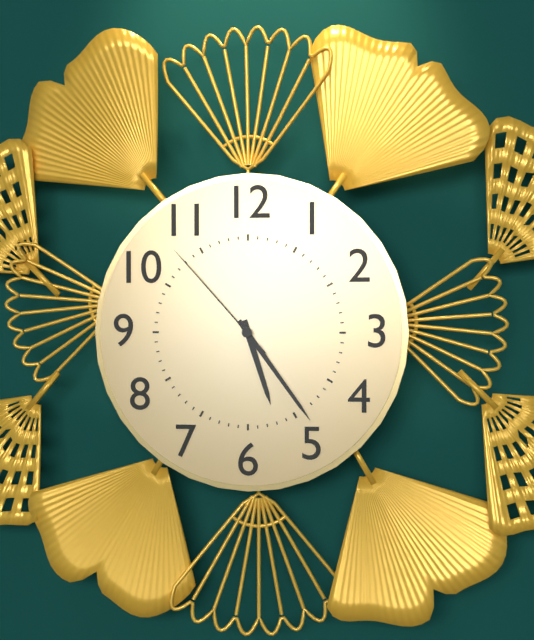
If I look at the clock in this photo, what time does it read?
5:24:53
